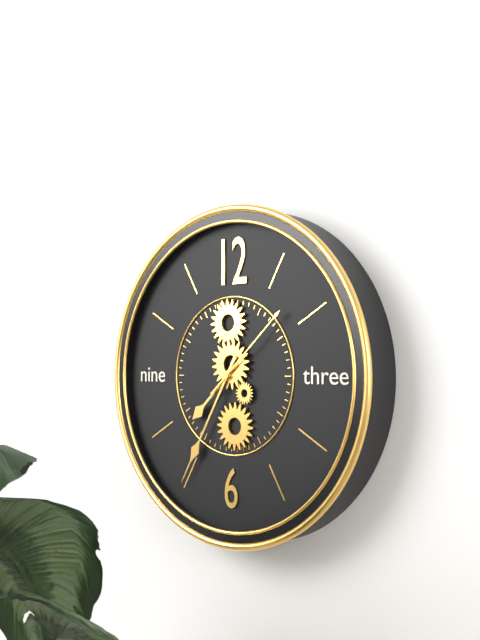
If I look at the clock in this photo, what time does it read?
7:35:08
